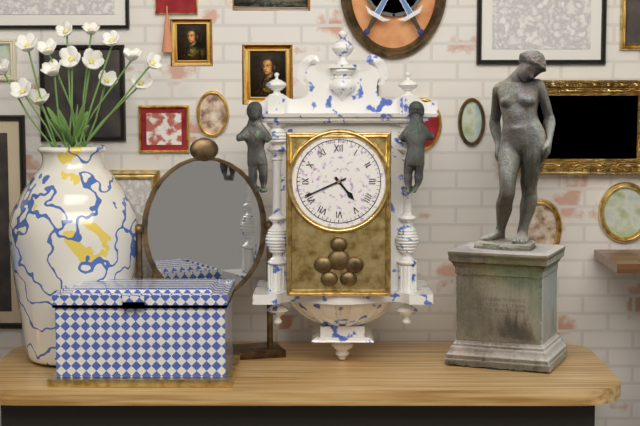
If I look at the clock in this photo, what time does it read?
4:41
